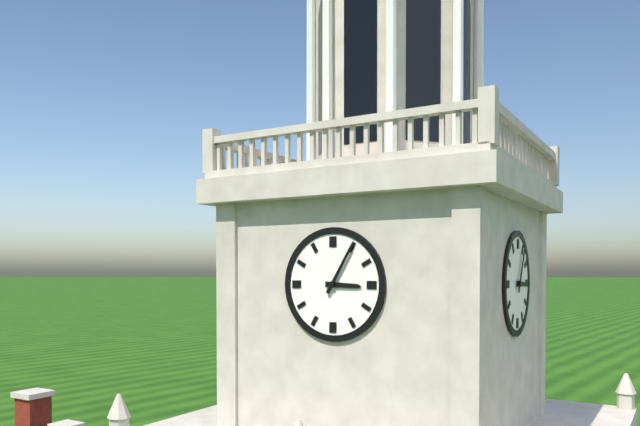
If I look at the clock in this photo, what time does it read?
3:05
